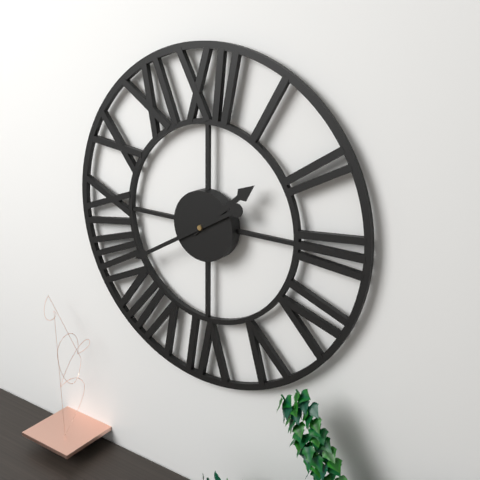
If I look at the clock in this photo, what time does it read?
1:40
